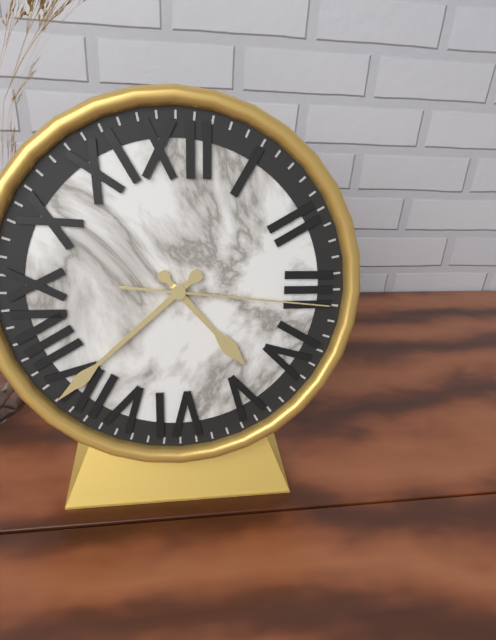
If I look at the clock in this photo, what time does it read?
4:38:16
